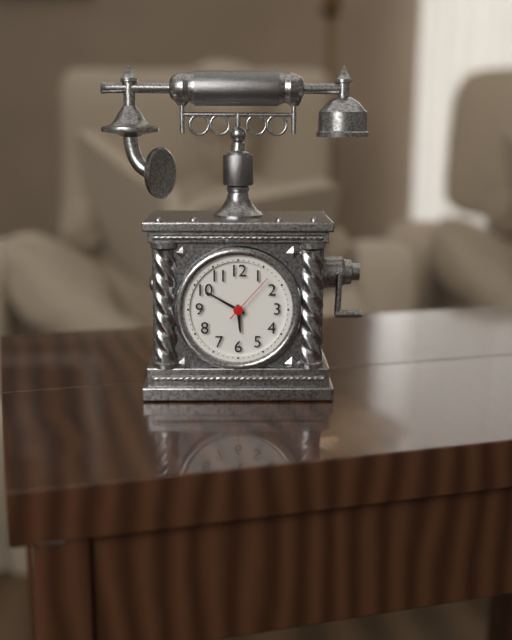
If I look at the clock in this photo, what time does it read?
5:50:07
